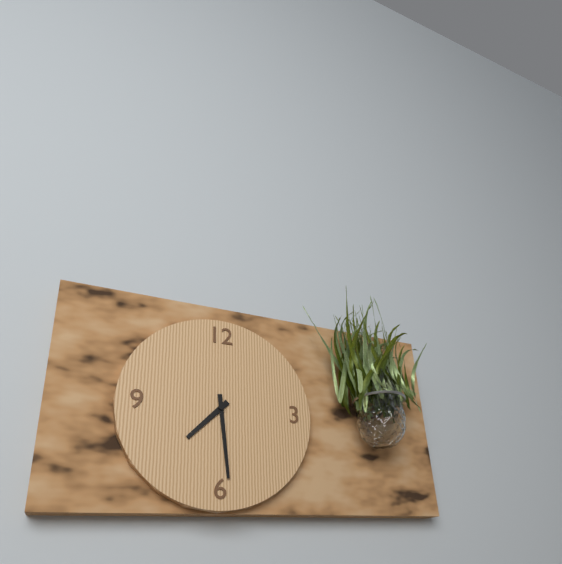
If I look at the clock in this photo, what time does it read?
7:29
